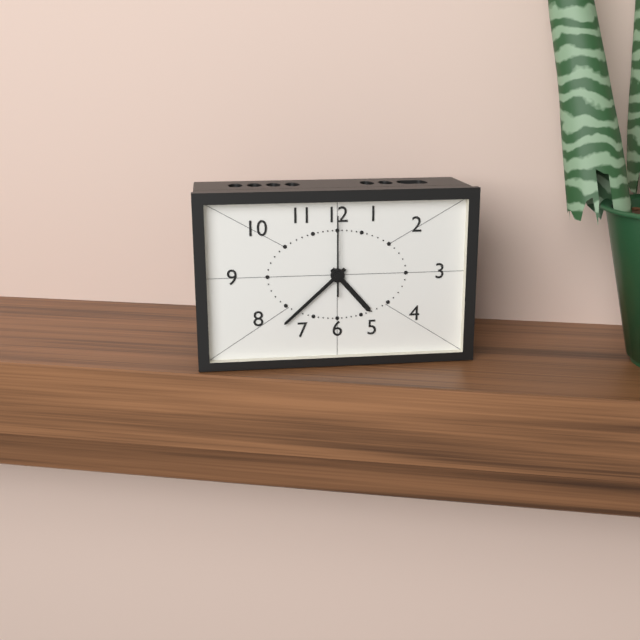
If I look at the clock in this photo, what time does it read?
4:38:00
